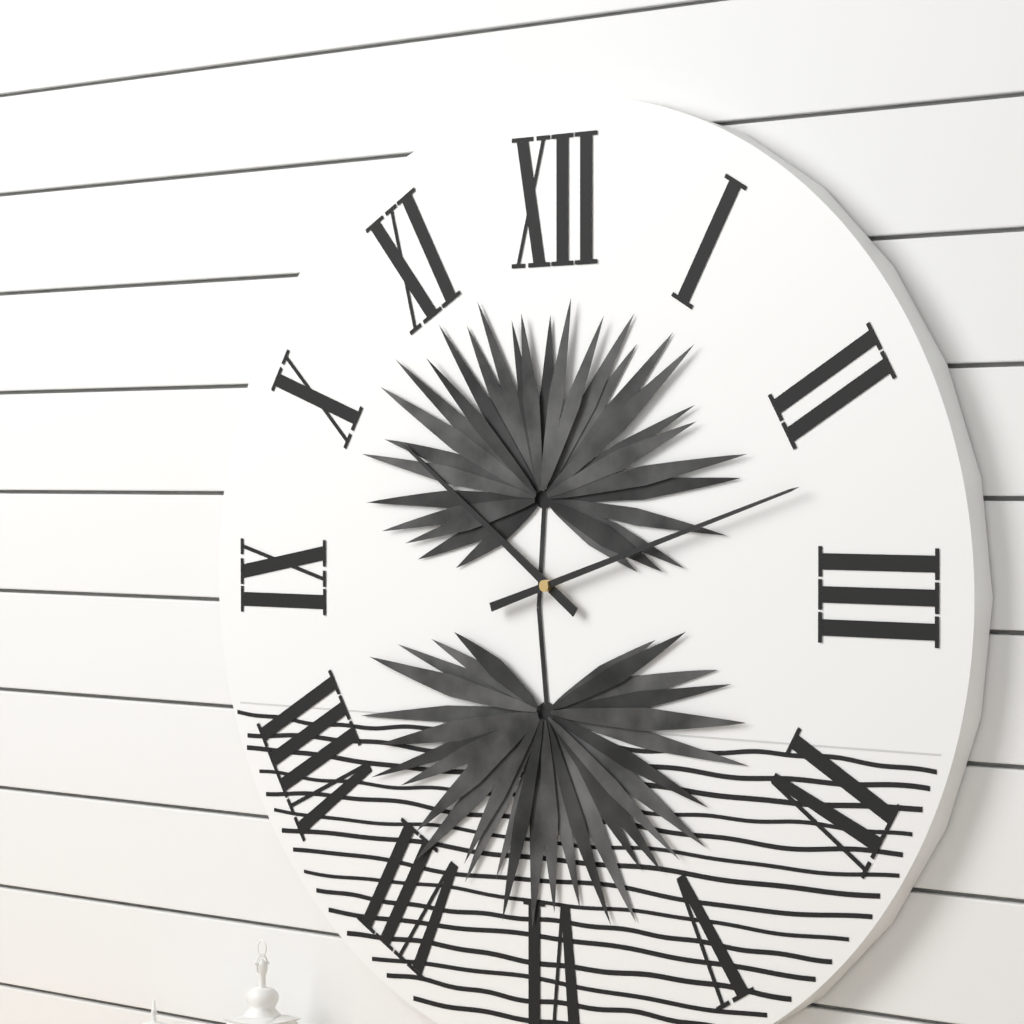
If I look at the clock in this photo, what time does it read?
10:12
